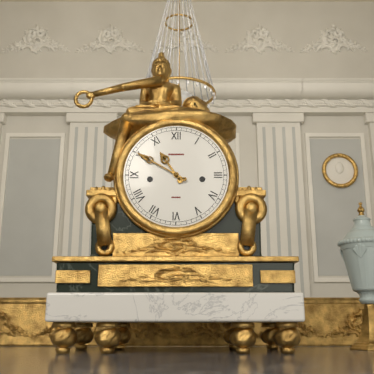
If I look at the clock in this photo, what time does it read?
10:50
